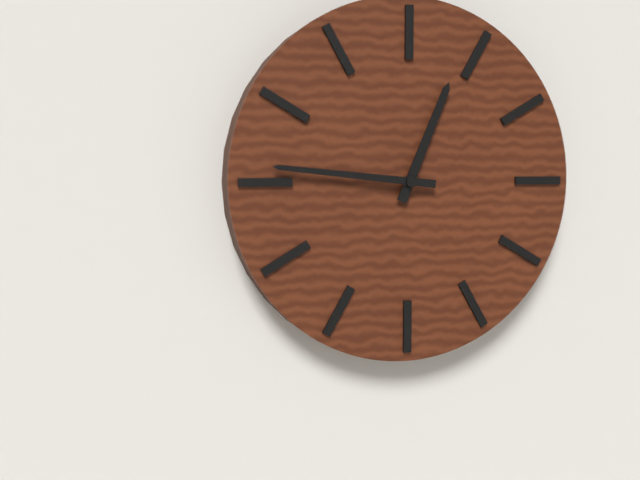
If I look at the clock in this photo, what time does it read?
12:46
